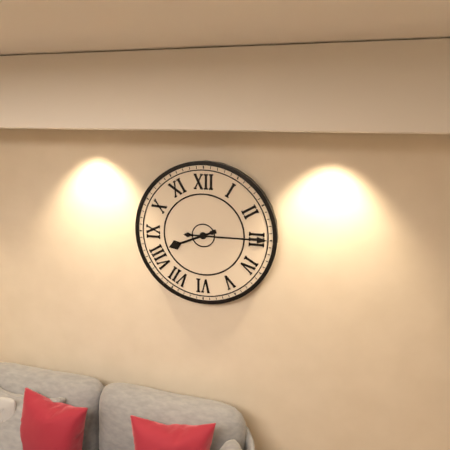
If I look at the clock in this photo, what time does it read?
8:15
